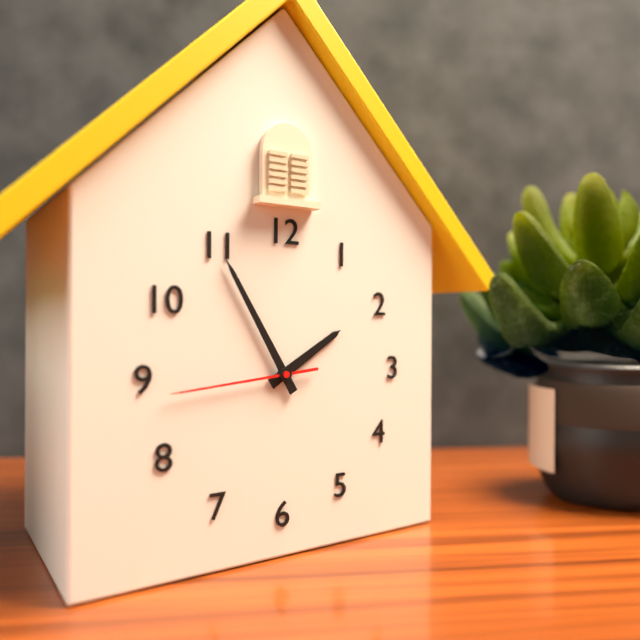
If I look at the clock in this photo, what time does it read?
1:55:44
